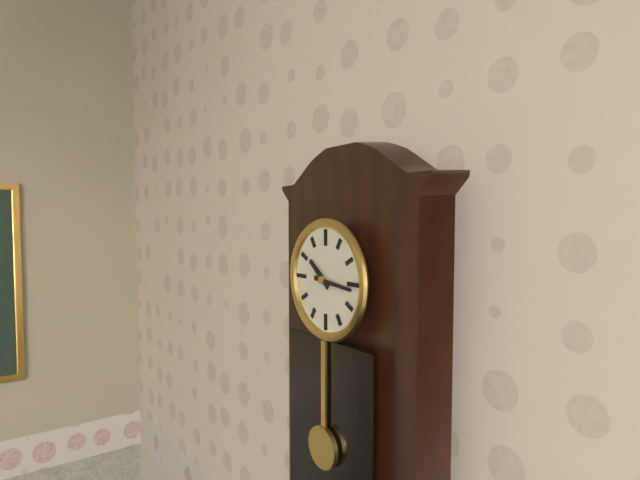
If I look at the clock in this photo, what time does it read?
10:16
